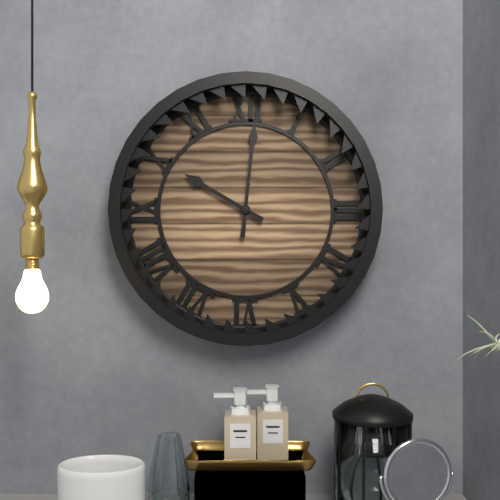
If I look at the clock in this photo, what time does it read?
10:01
